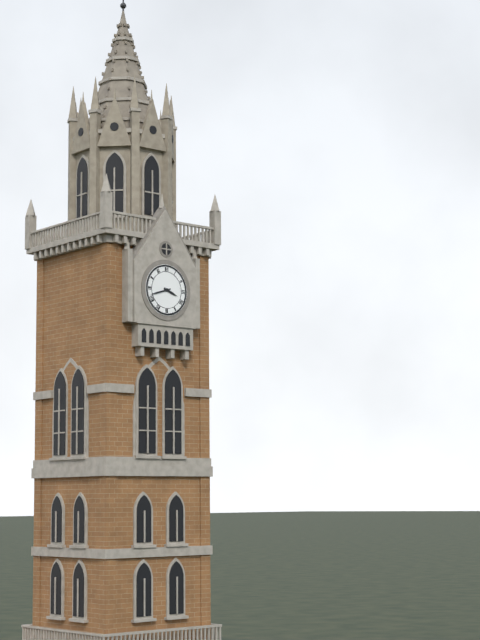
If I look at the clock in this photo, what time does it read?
3:42
